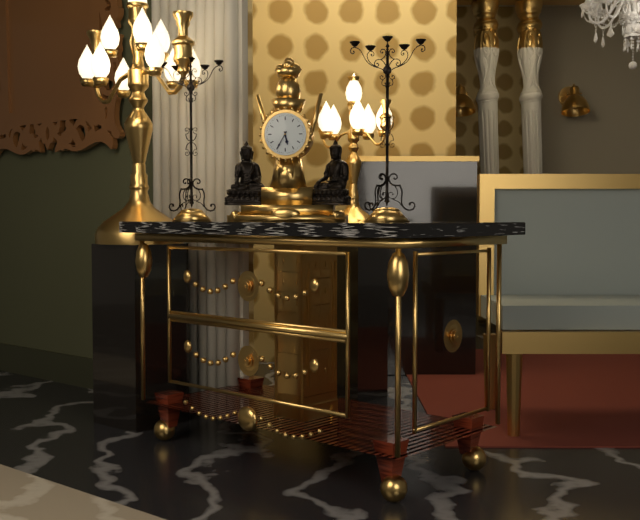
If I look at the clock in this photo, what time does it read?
5:35
